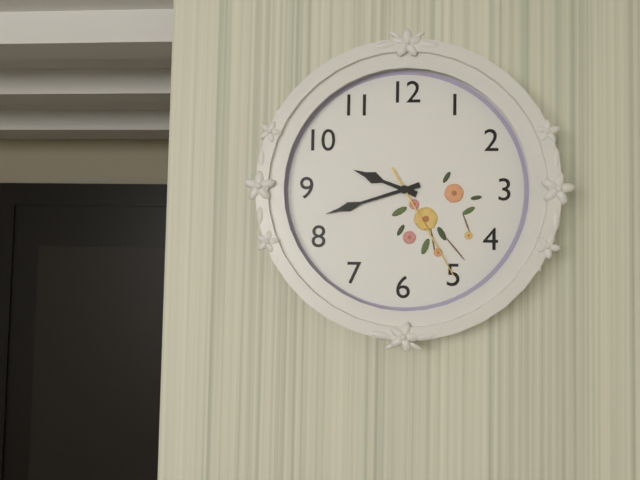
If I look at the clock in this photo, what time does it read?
9:42:25
